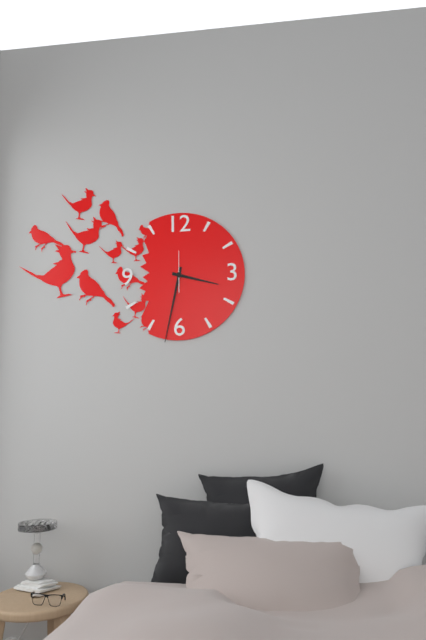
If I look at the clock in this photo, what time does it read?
3:32
